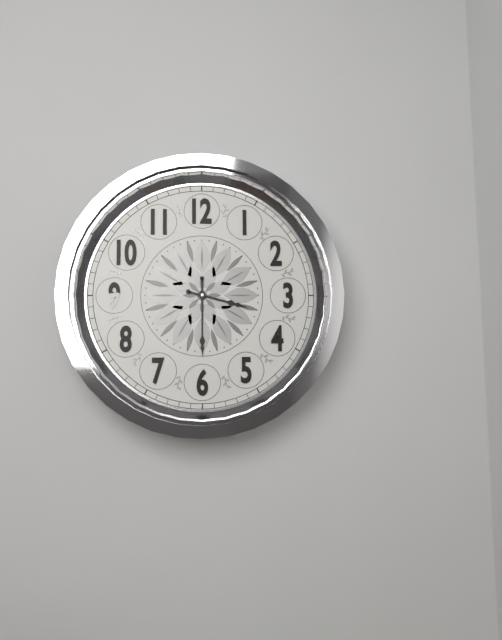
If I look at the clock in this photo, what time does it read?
3:30
